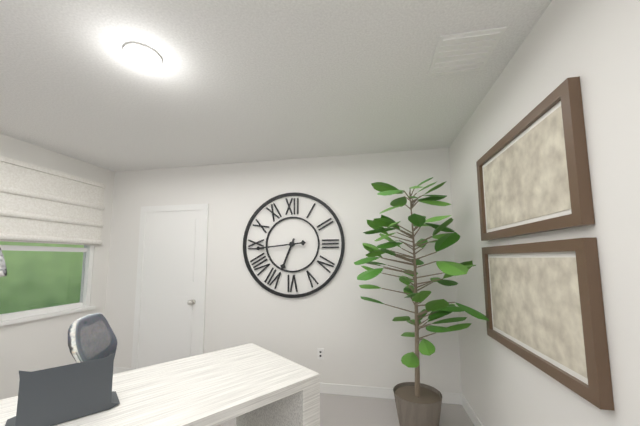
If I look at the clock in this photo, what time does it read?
6:44
